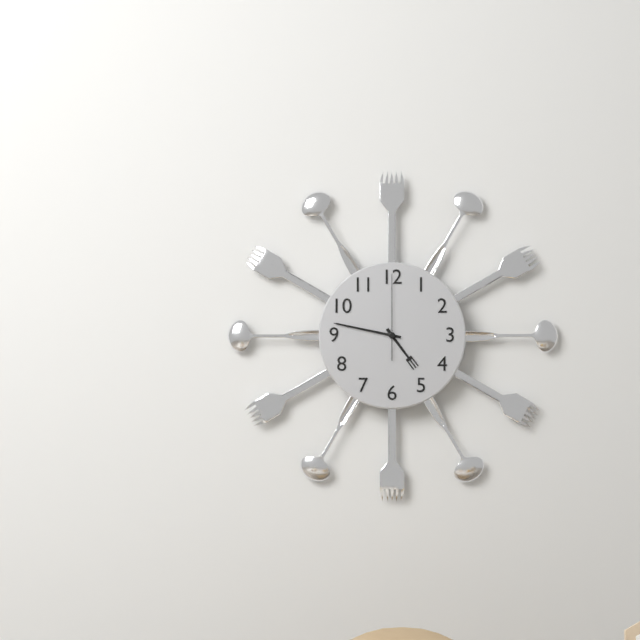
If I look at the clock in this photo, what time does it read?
4:47:00
